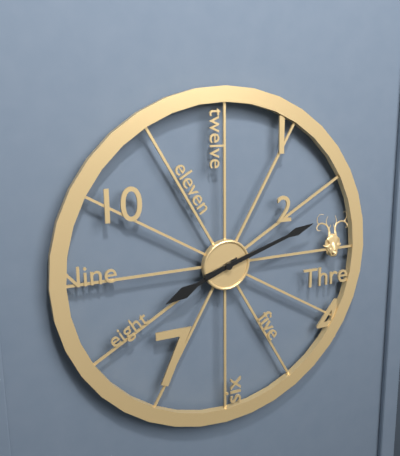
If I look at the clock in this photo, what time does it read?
8:12
